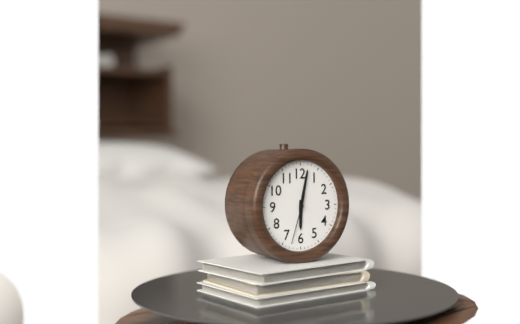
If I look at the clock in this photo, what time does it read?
6:02
